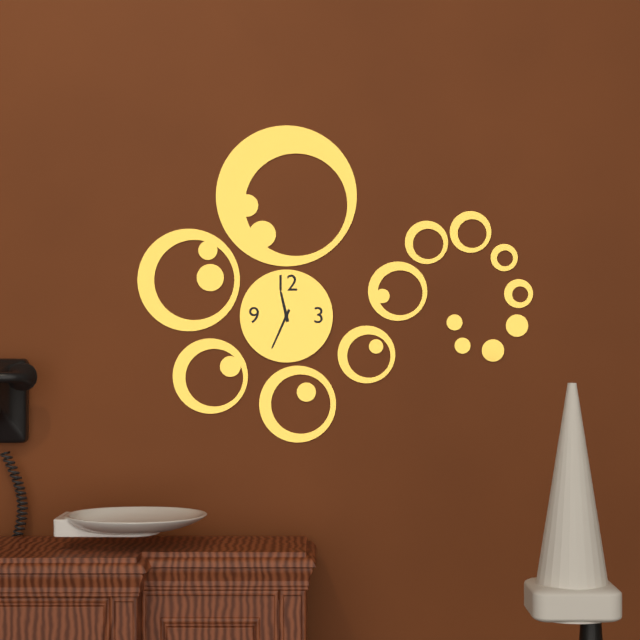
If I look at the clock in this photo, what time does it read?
11:34
